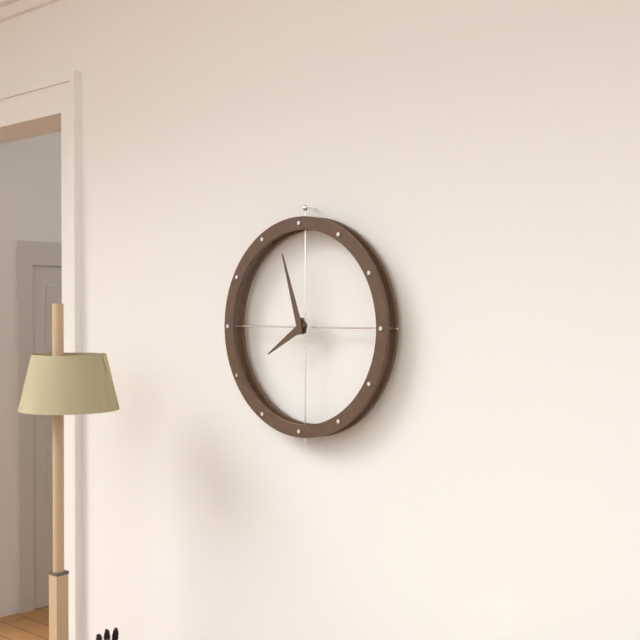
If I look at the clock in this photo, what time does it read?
7:57
